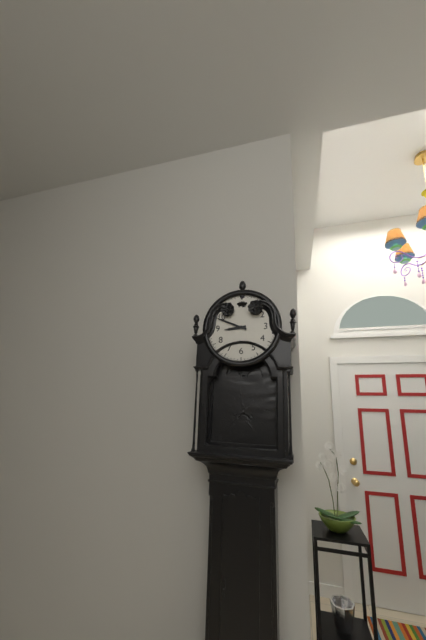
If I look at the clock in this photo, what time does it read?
8:49
